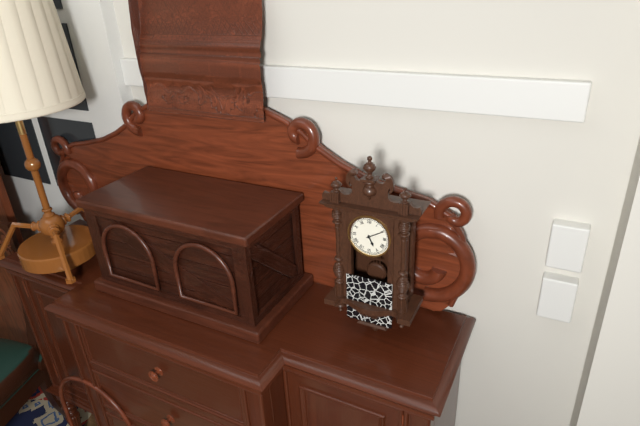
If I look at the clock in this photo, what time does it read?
5:10
